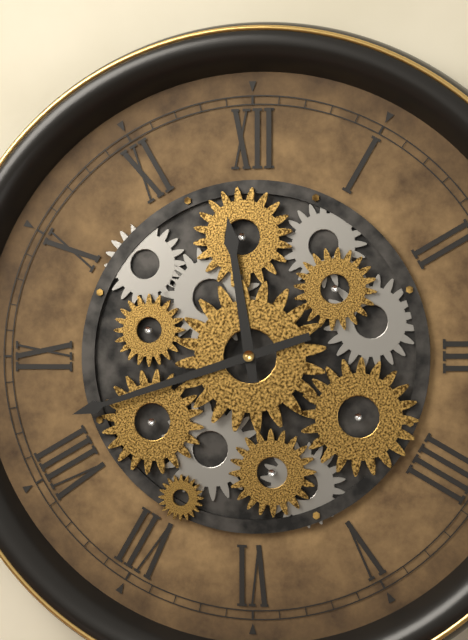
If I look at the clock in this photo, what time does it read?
11:42
